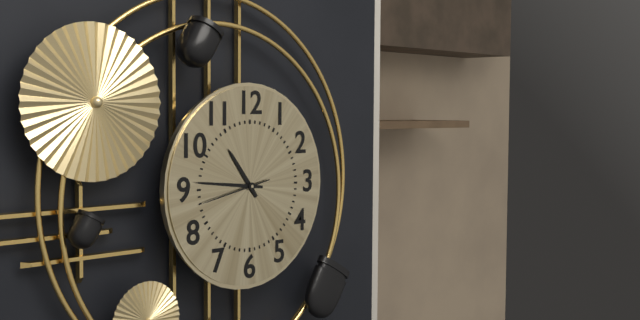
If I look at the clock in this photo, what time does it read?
10:46:43
